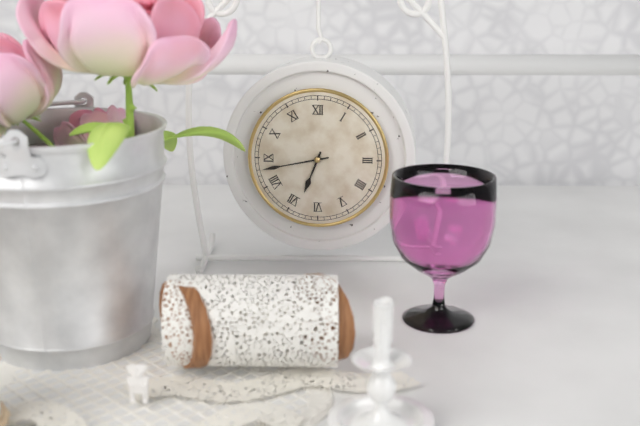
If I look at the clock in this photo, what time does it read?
6:43
